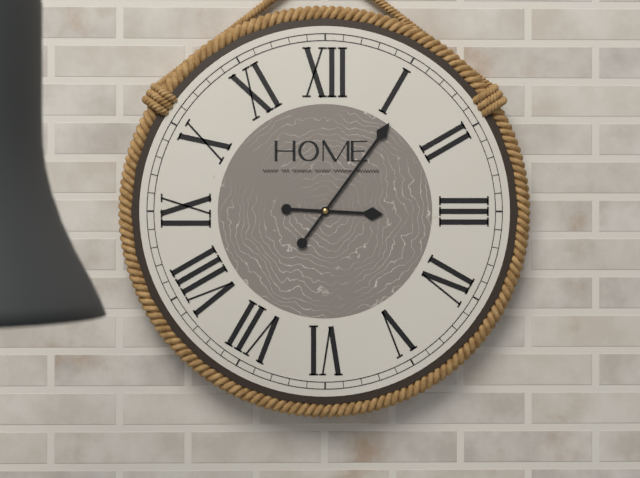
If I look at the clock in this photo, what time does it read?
3:06
